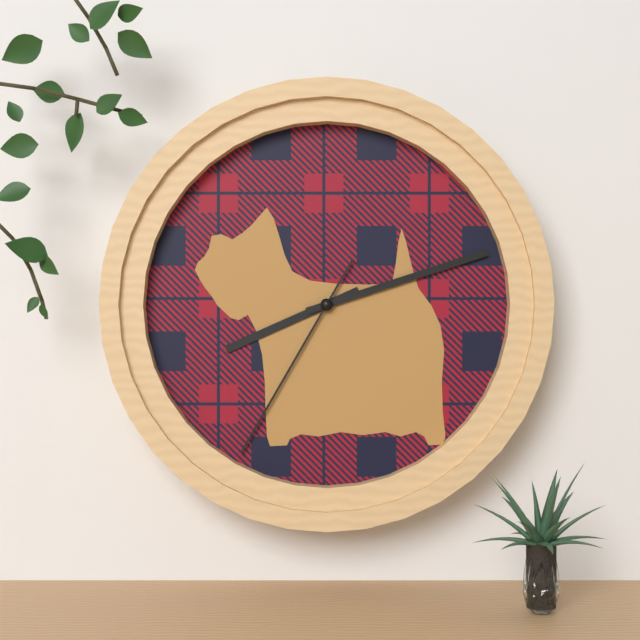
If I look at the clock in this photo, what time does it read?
8:12:35
